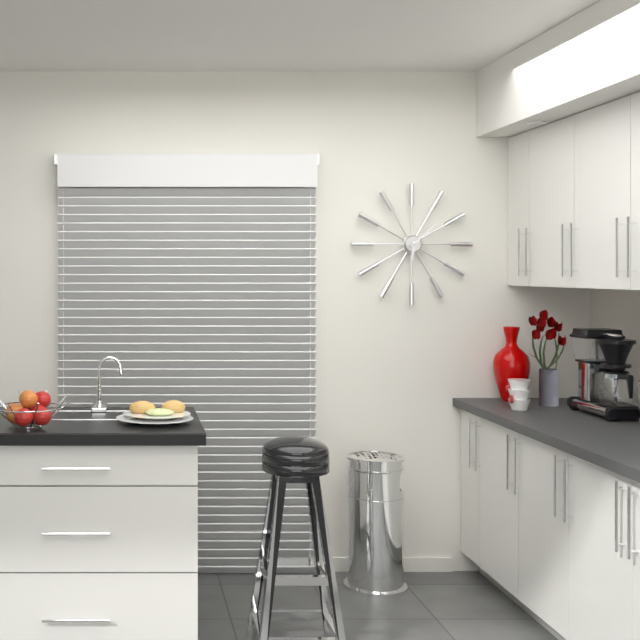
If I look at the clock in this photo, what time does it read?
6:08
